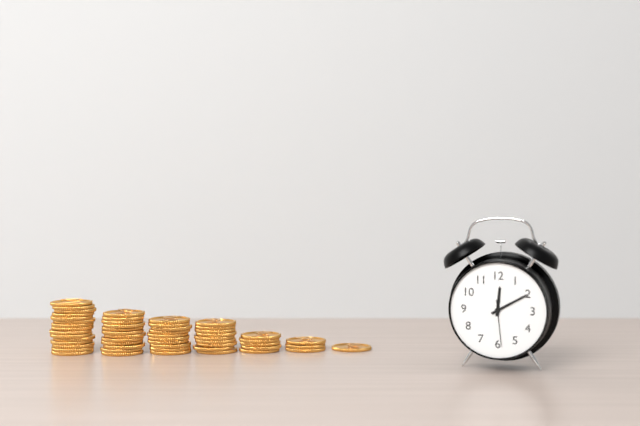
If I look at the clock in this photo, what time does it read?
12:10
